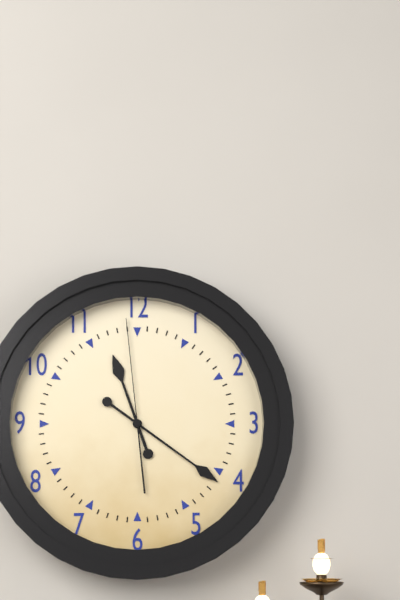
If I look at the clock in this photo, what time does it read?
11:21:59
